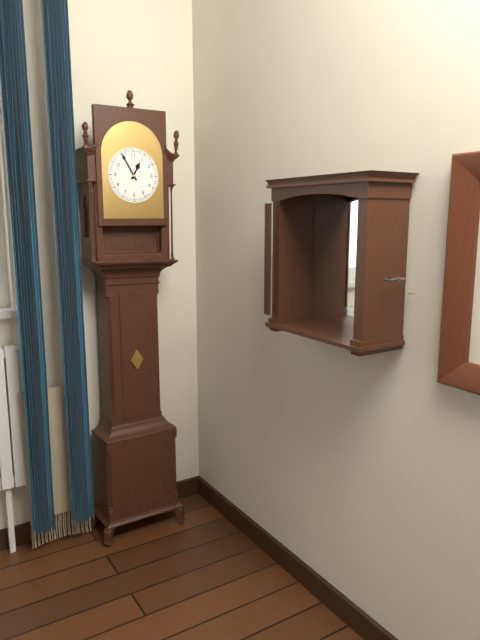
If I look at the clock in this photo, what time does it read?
12:55
